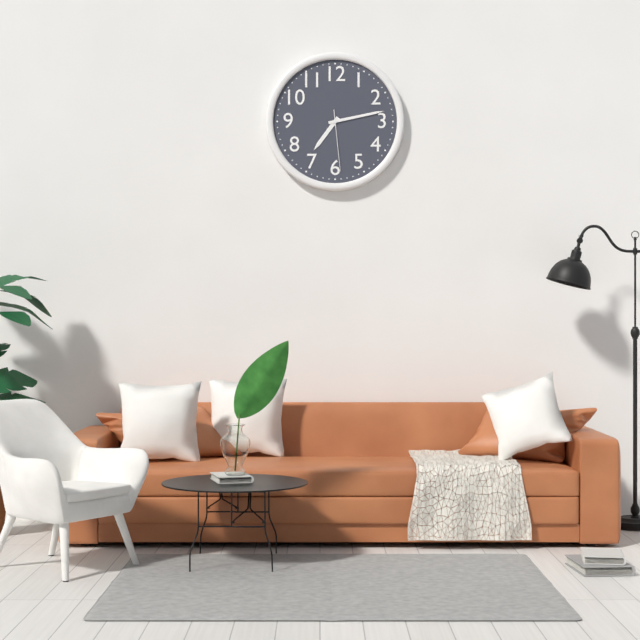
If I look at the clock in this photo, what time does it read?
7:13:29
